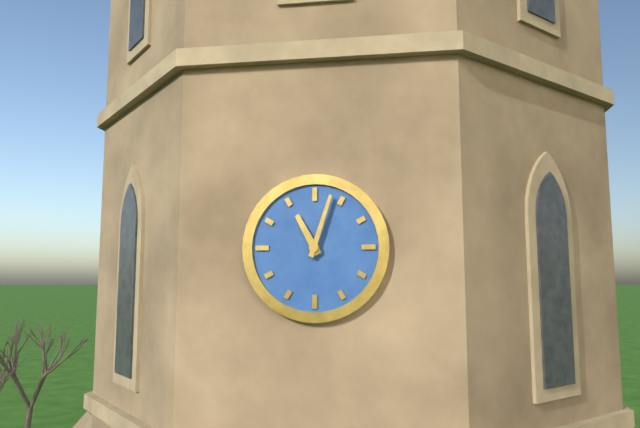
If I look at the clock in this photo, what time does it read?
11:03
